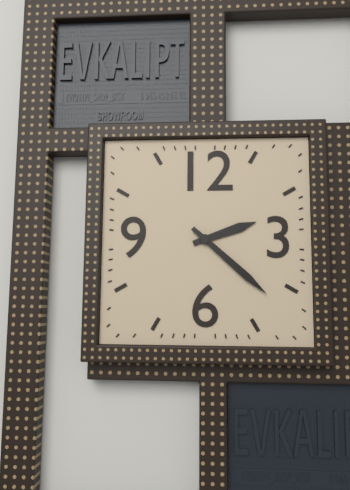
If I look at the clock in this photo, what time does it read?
2:22
